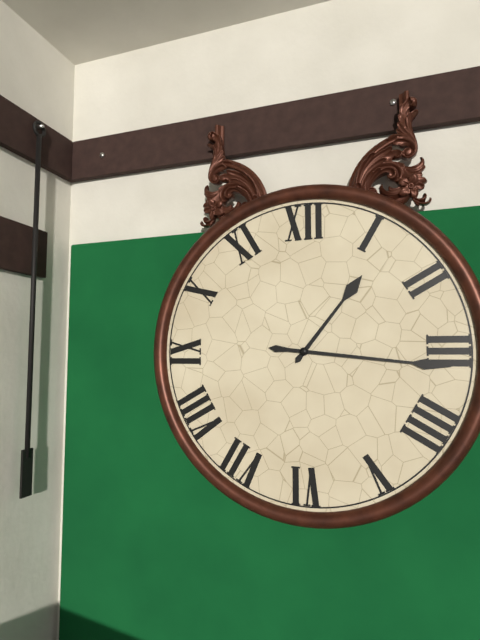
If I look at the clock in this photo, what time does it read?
1:16
